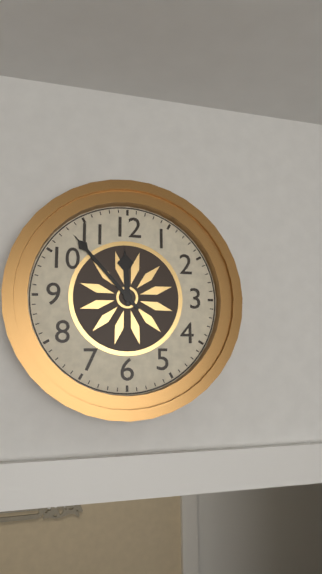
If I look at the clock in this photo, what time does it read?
11:53
